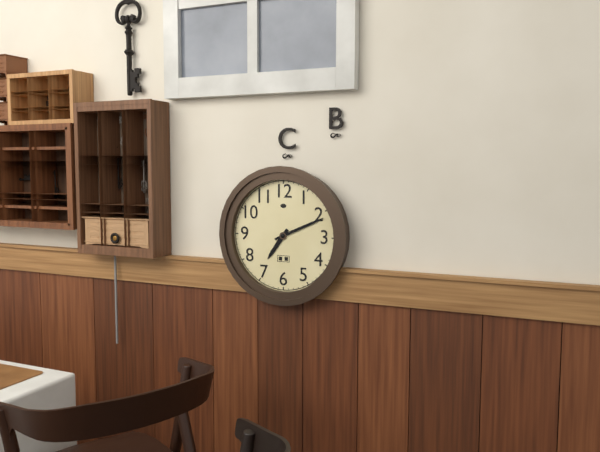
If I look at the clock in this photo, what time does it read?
7:11
